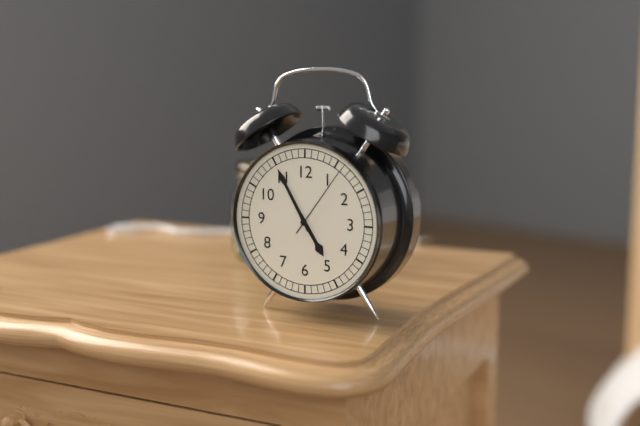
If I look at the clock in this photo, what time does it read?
4:55:06
